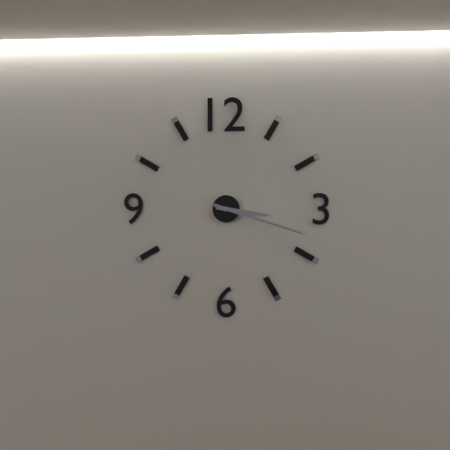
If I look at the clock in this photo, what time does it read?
3:18
